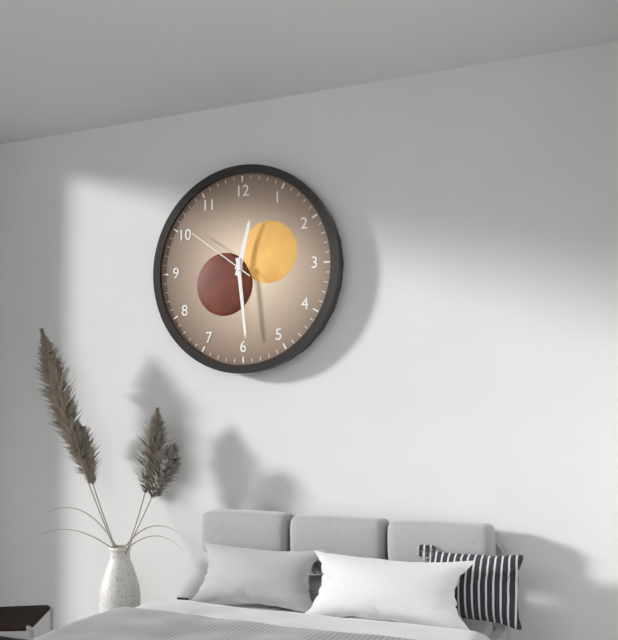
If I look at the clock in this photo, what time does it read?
12:29:51
